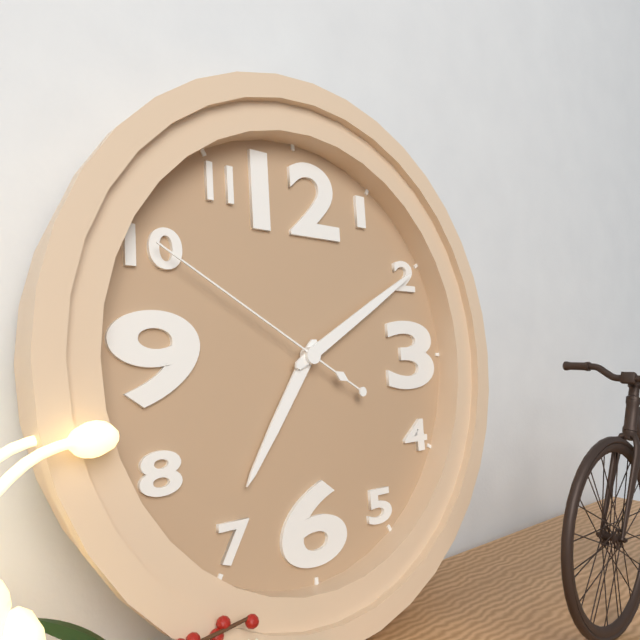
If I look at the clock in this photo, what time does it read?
7:10:50
